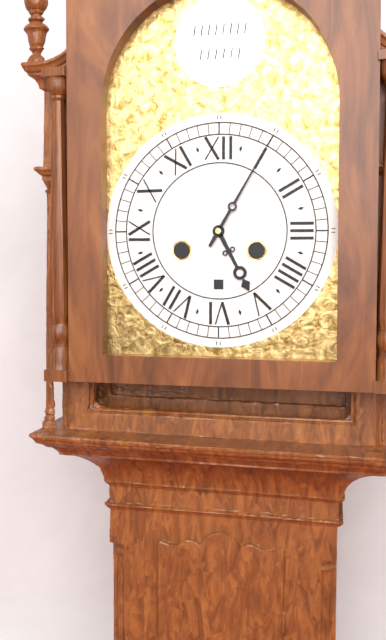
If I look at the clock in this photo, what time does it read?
5:05
